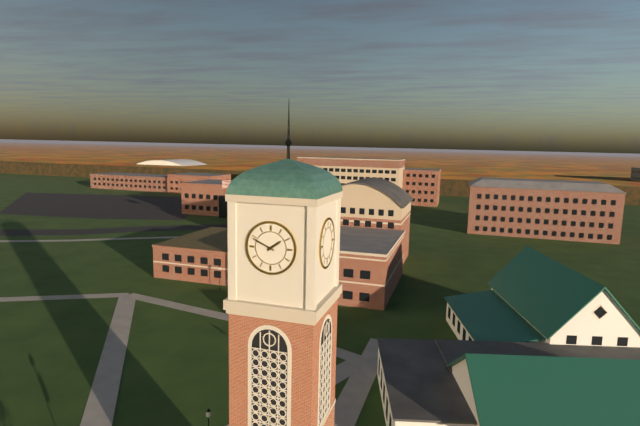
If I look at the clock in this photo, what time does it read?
1:49
